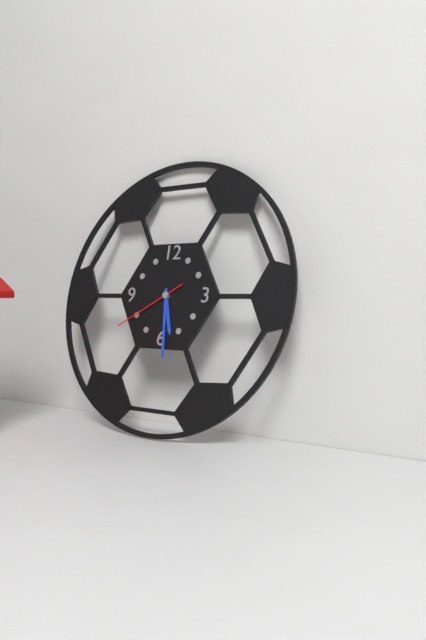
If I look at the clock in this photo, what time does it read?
5:29:40
